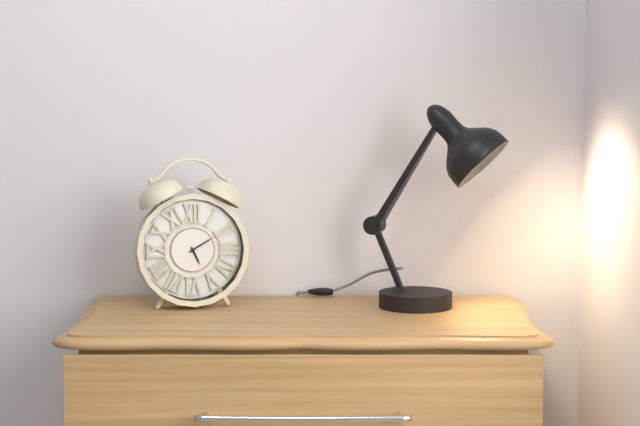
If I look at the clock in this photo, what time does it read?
5:10
